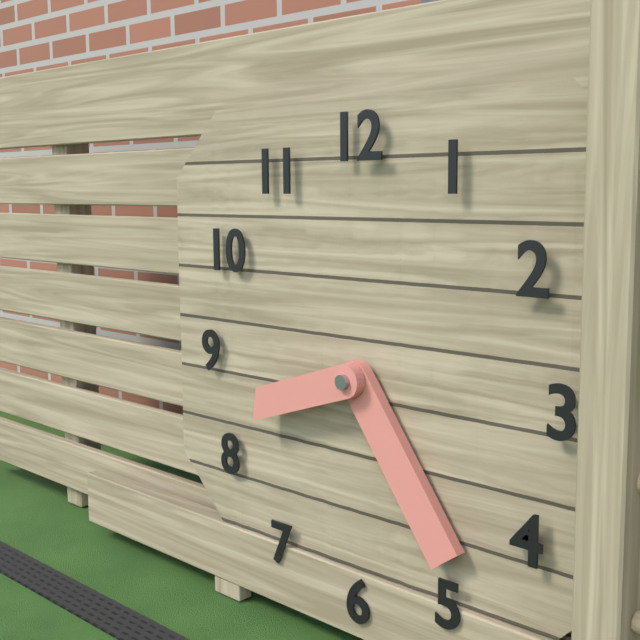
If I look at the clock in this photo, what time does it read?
8:24
